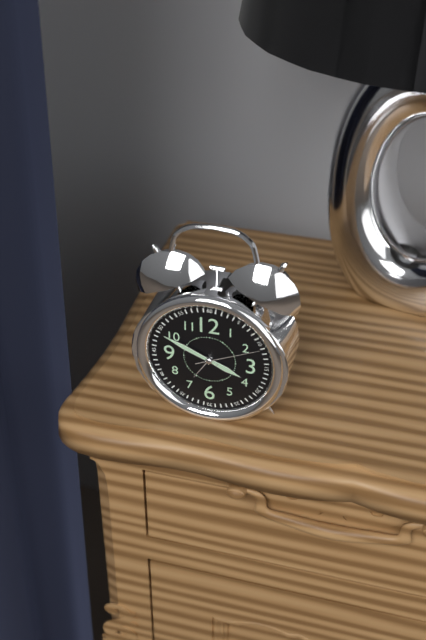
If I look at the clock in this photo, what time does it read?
3:49:11
